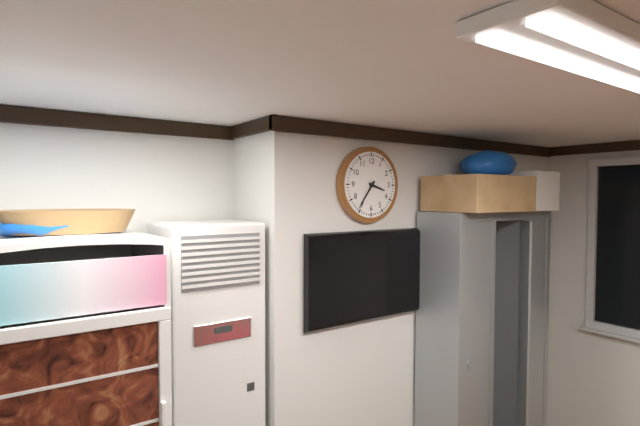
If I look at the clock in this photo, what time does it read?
3:36
